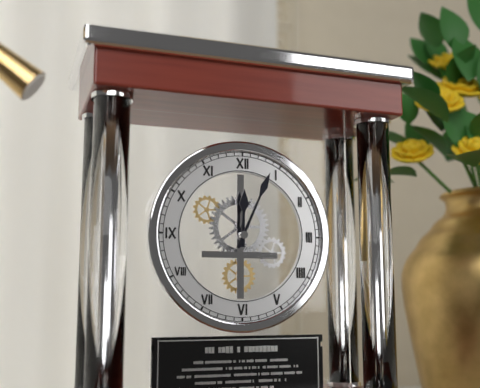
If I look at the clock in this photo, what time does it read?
12:04
